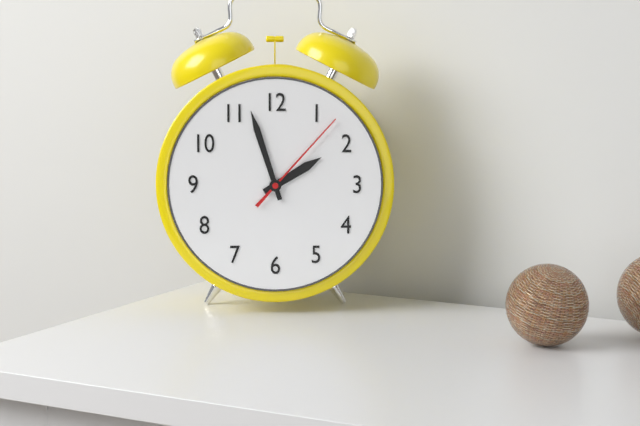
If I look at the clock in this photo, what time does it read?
1:57:07
